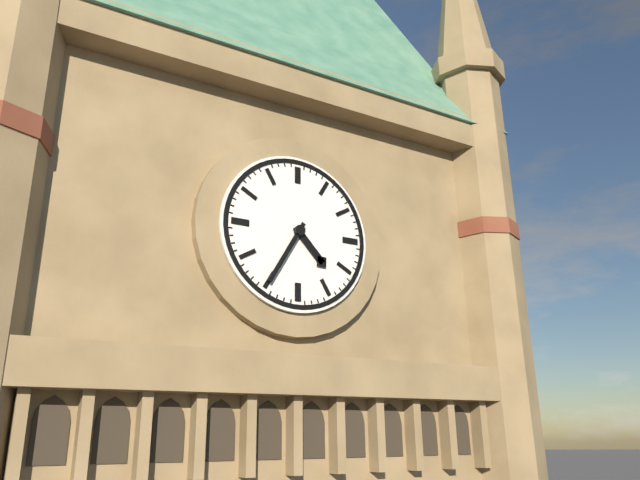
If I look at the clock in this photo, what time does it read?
4:35
